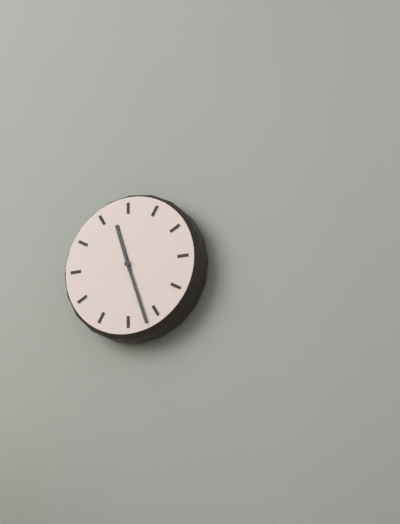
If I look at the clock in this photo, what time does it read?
11:27
